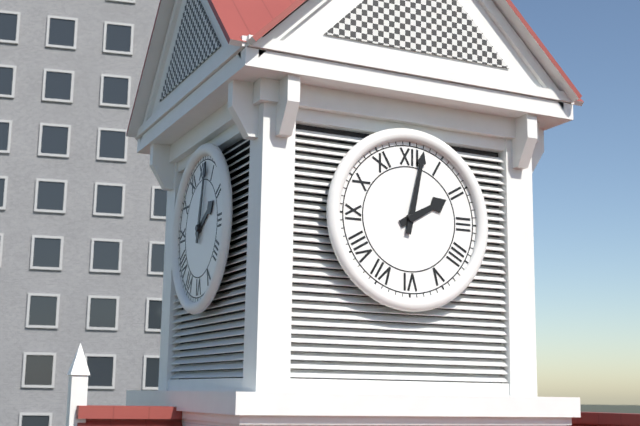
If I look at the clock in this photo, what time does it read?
2:02
